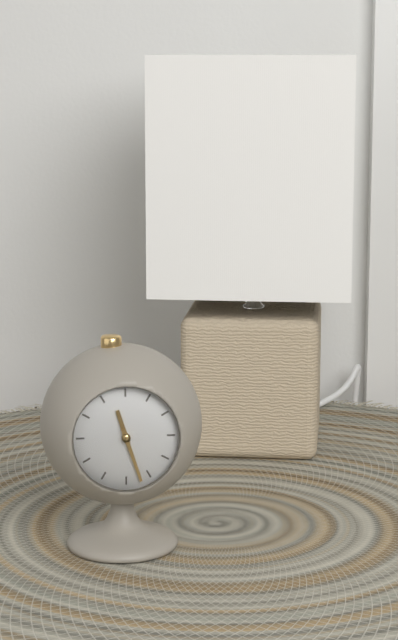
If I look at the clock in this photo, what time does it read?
11:27
